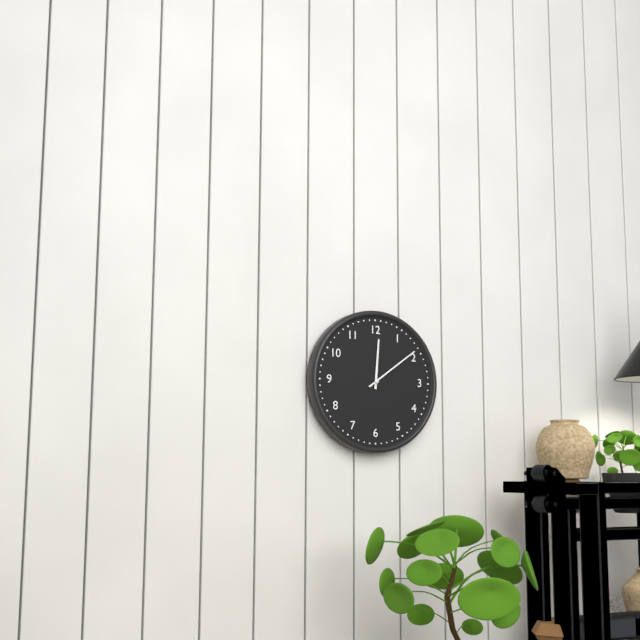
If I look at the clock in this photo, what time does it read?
12:09
